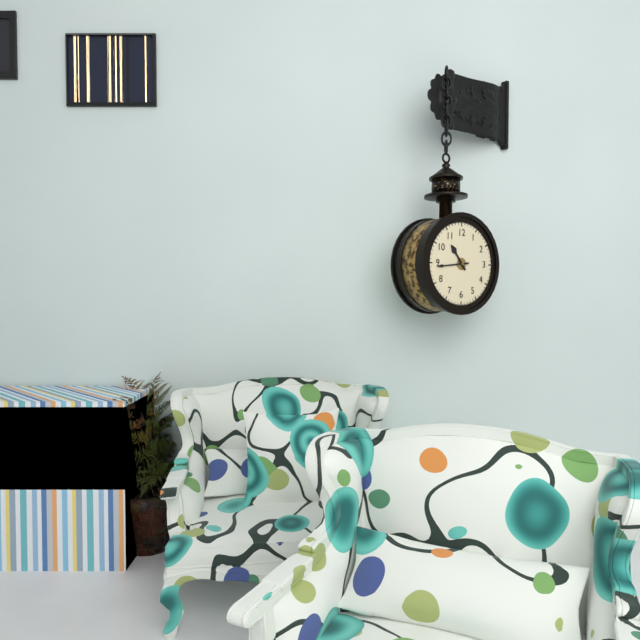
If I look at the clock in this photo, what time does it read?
10:44
